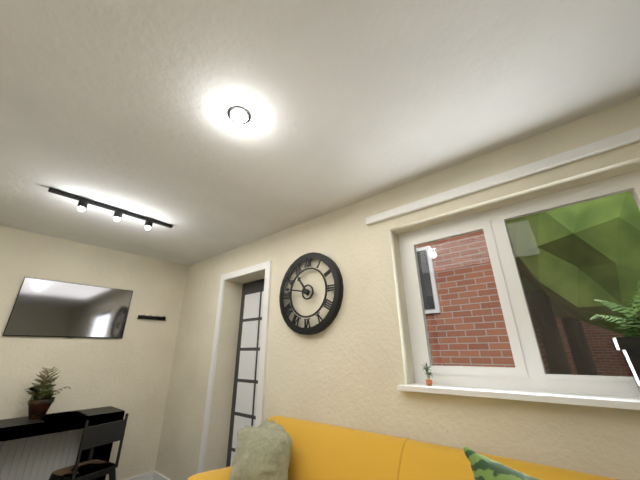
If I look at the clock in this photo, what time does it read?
10:47
